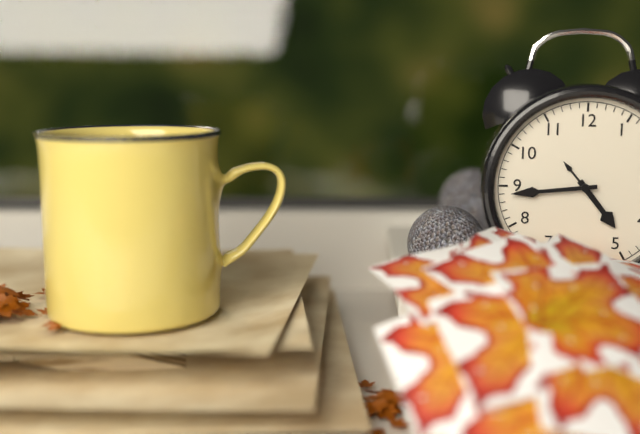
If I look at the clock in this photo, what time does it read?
4:44
